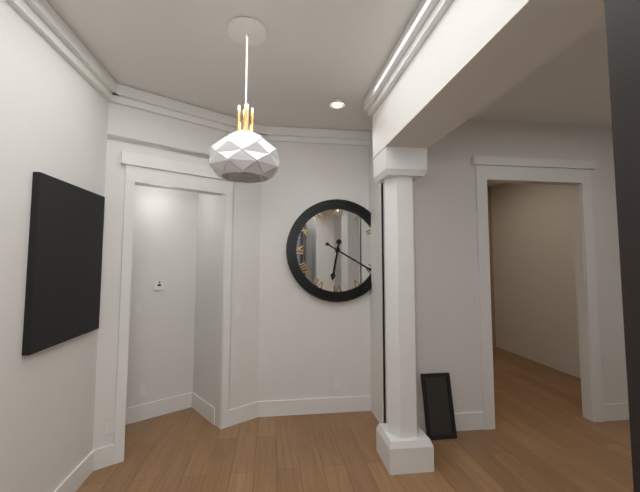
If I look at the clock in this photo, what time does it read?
6:20
